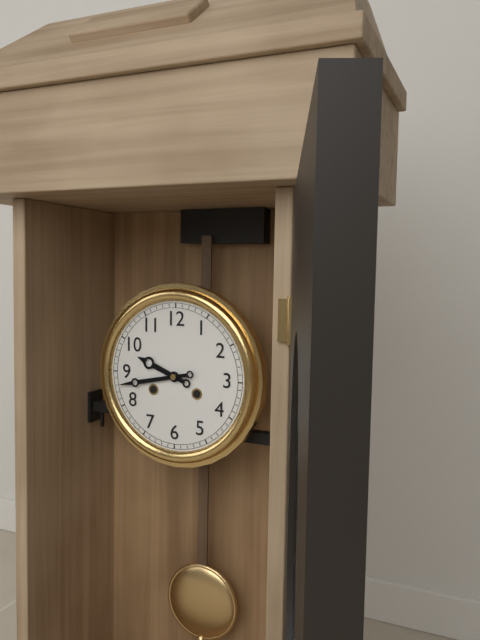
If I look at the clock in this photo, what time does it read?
9:43
